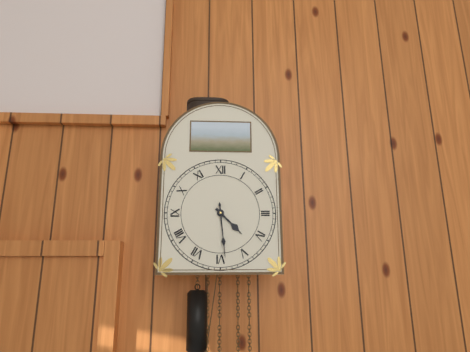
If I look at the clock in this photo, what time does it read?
4:29
